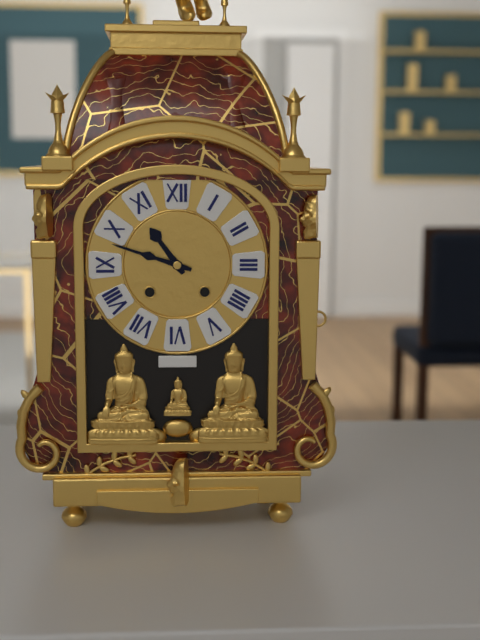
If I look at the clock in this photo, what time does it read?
10:48
